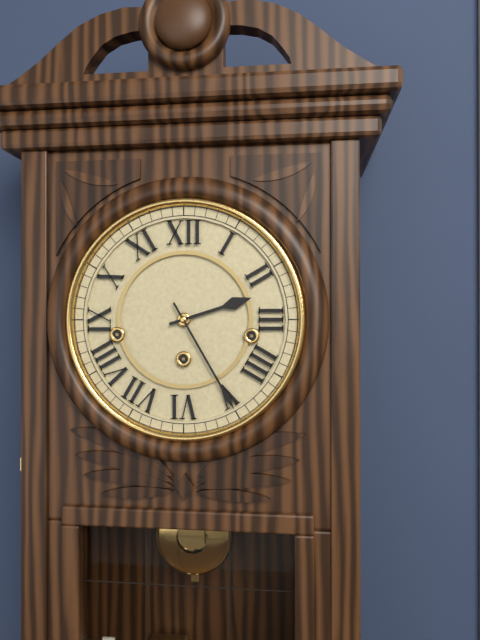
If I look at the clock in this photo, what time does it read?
2:25
